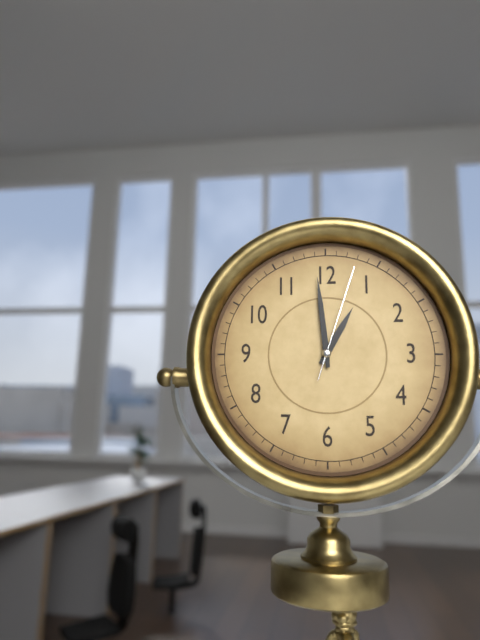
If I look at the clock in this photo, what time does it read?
12:59:03
